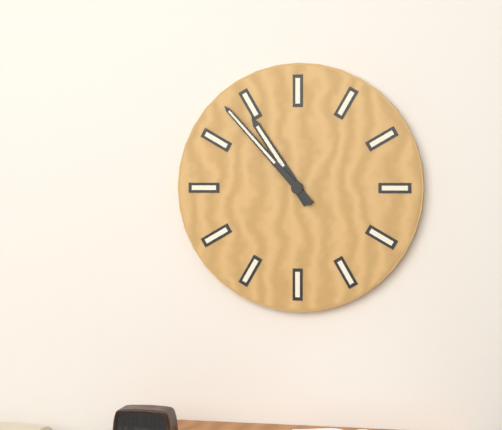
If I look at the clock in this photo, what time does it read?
10:53
